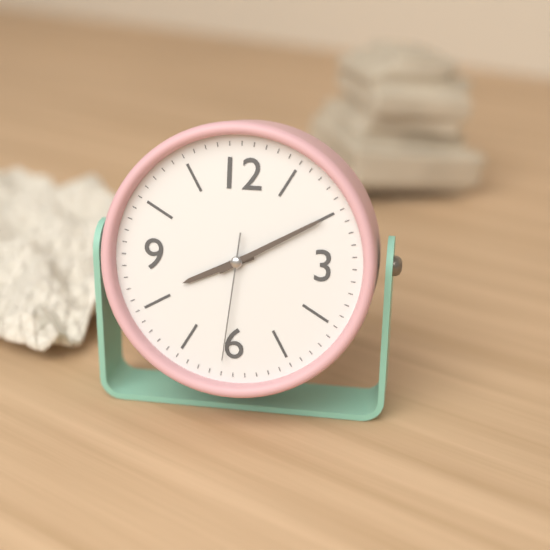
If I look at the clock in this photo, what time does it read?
8:10:31
